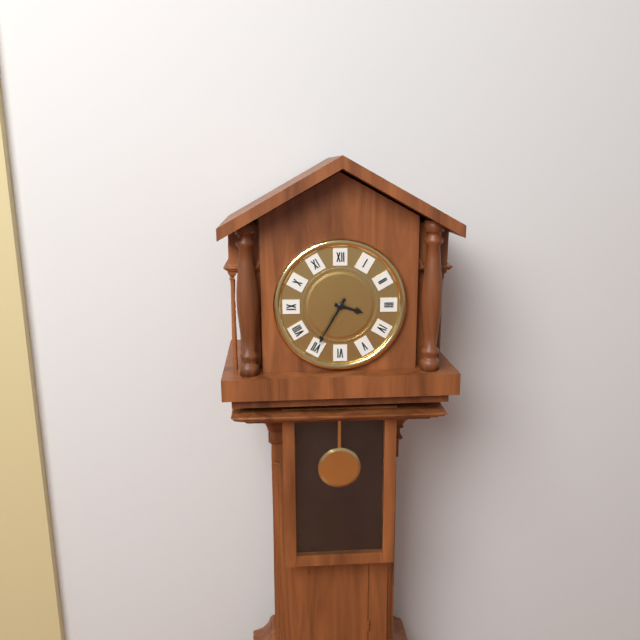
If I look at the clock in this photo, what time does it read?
3:35
